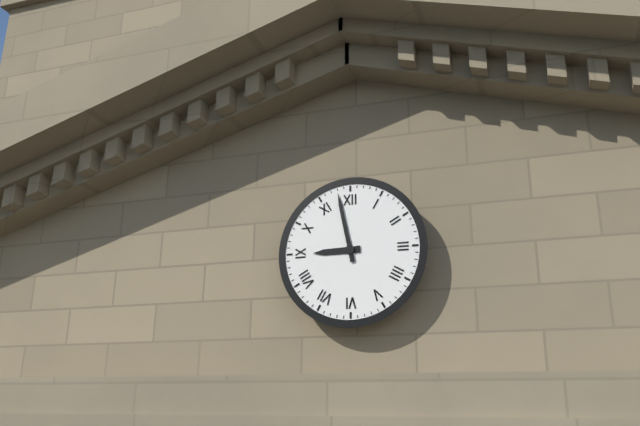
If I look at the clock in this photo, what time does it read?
8:58
